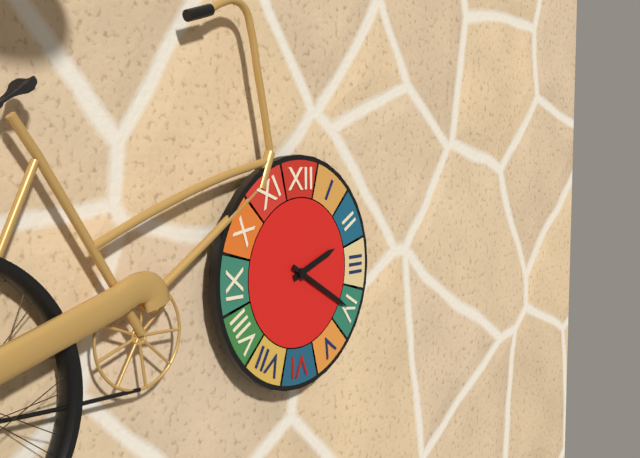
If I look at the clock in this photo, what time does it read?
2:20
